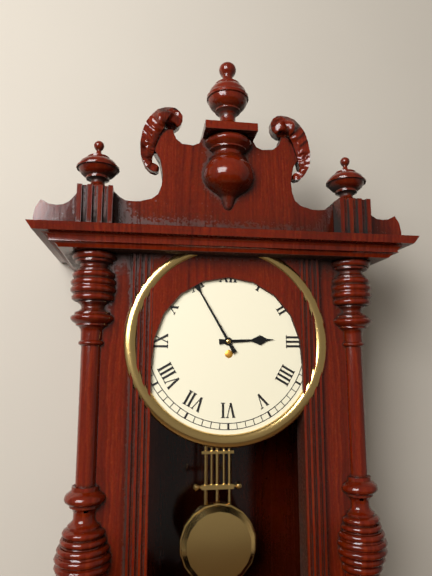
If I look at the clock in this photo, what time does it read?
2:55
